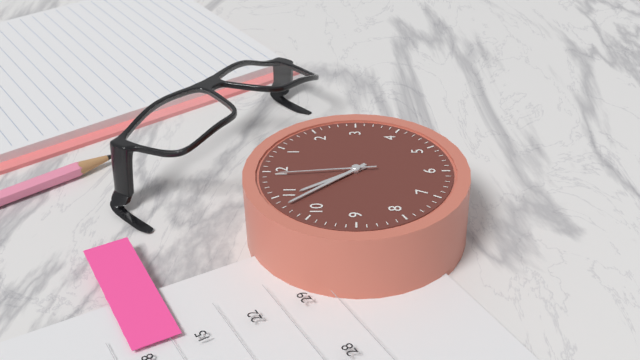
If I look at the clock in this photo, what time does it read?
10:53:59
